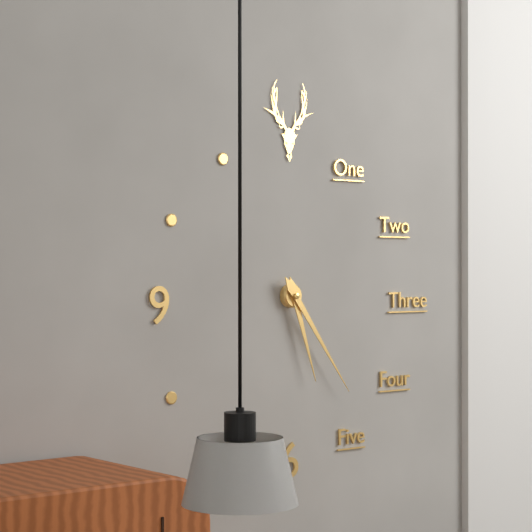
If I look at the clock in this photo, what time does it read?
5:24
